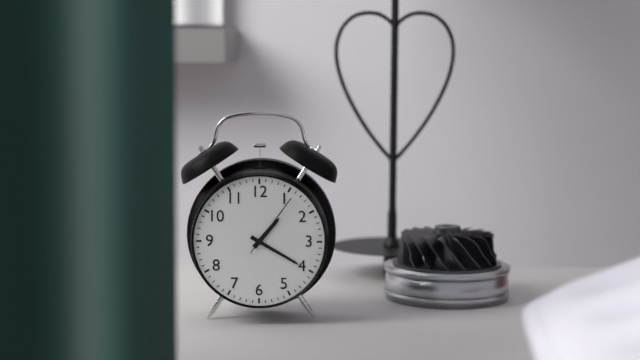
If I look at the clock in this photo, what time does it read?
1:20:06
